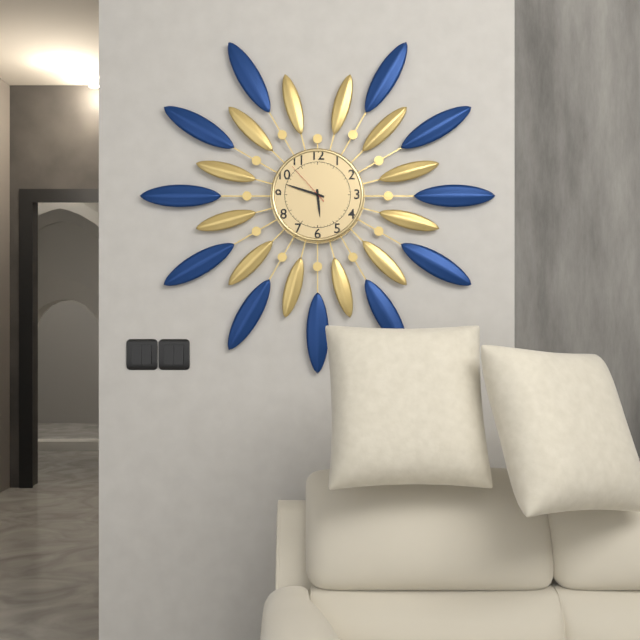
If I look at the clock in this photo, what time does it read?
5:48
